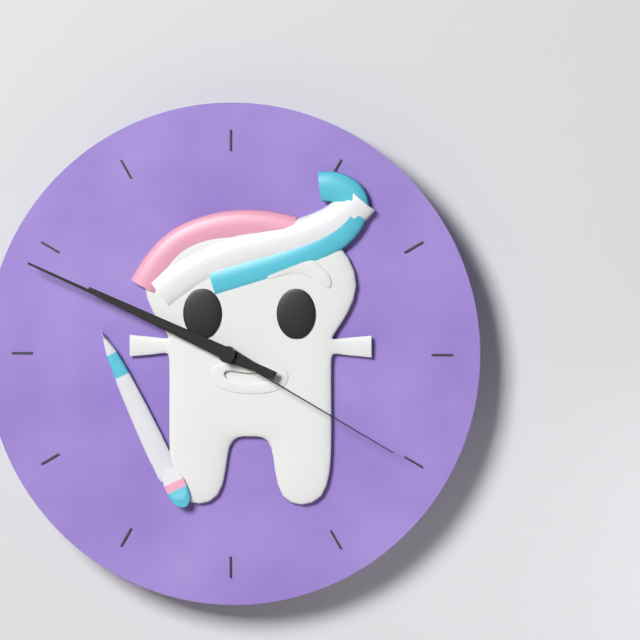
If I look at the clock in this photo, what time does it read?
9:49:20
